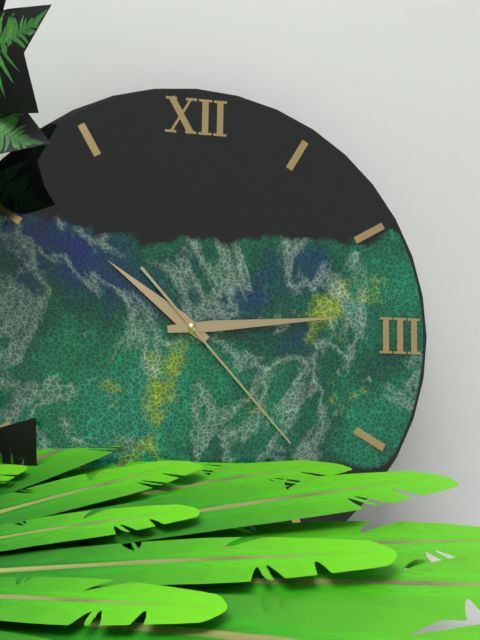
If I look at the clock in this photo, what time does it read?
10:14:23
